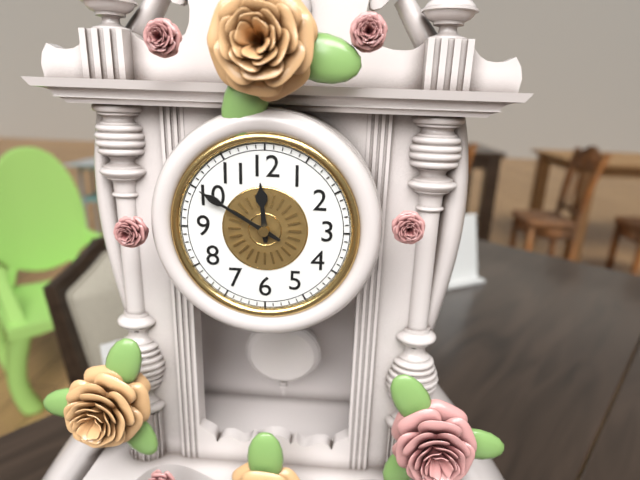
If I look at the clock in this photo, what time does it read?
11:50
